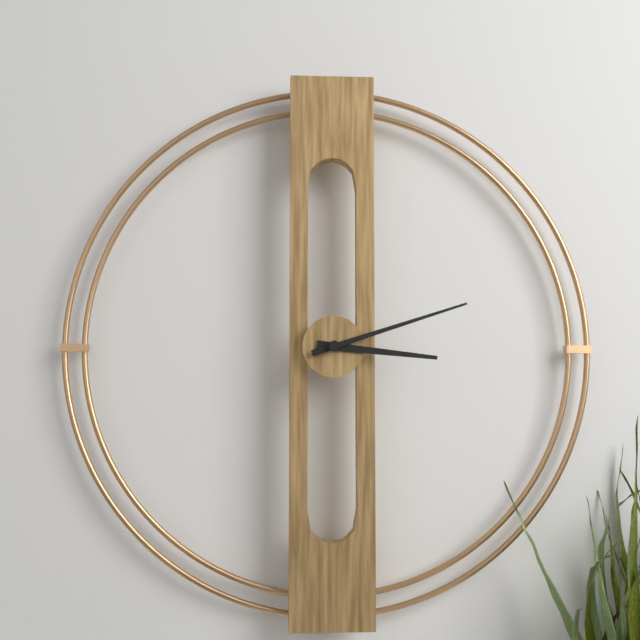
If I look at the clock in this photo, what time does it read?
3:12
